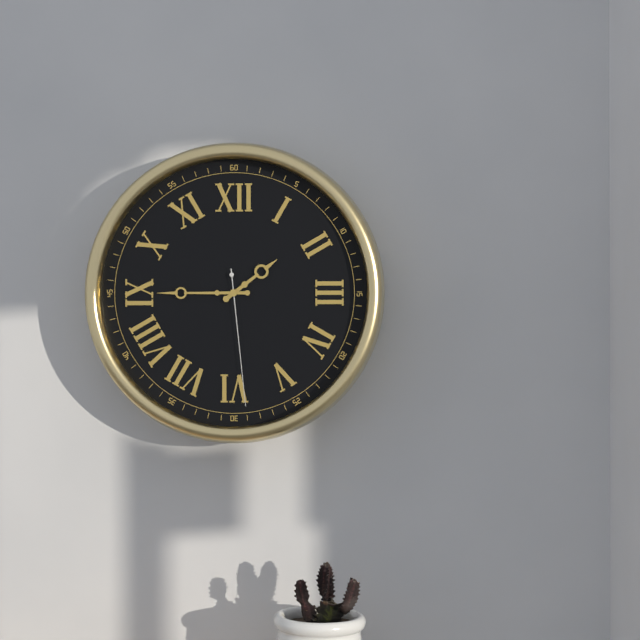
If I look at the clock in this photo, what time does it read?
1:45:29
